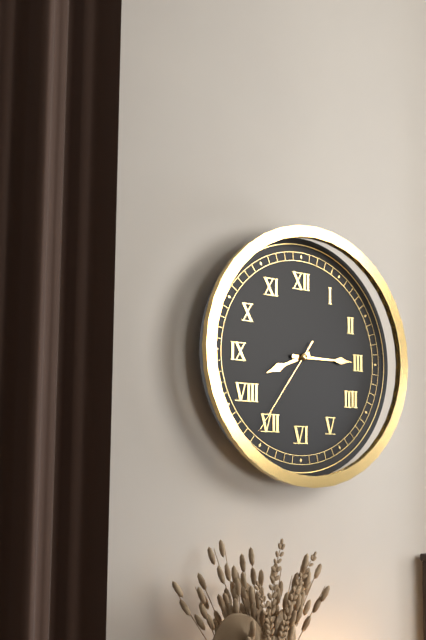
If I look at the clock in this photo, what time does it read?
8:15:36
